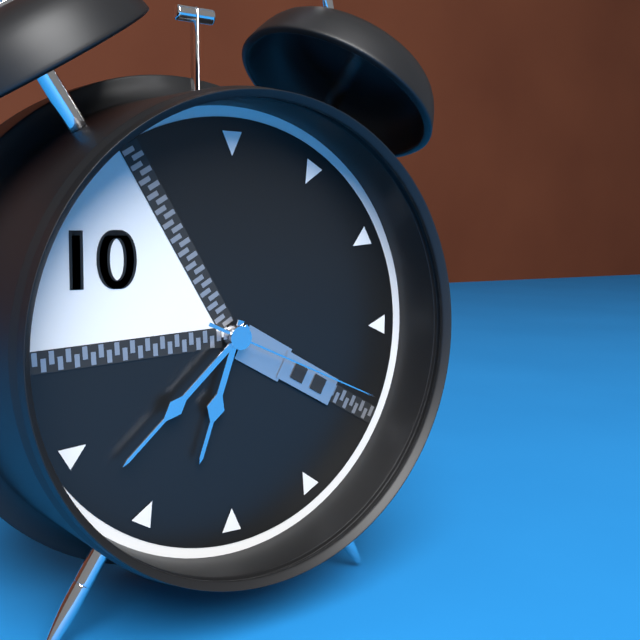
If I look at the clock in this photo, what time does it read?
6:38:19
